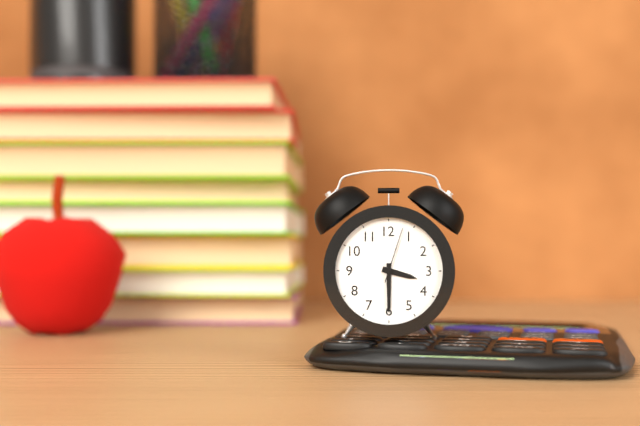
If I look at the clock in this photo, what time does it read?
3:30:03
